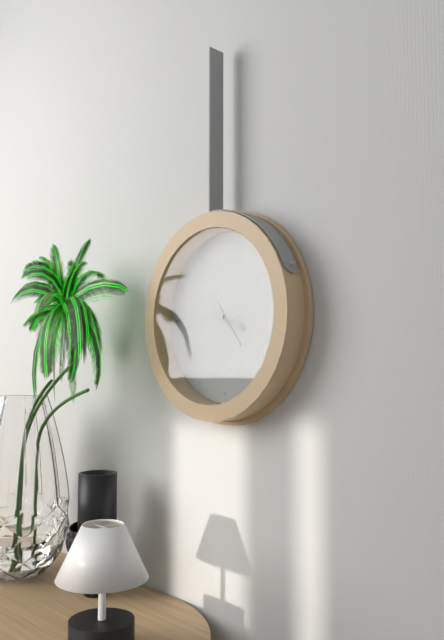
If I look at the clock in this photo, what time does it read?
4:45:49
